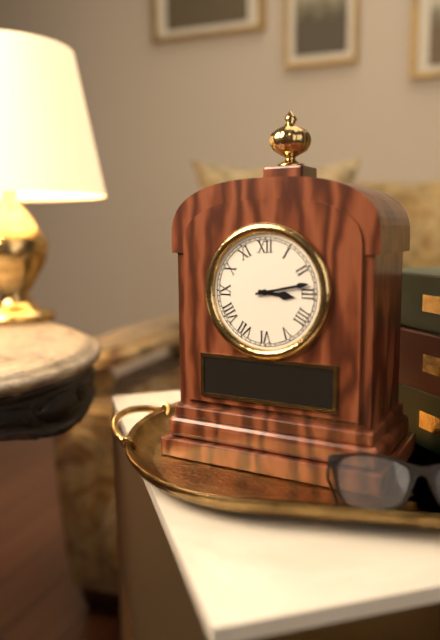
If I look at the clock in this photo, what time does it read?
3:13
